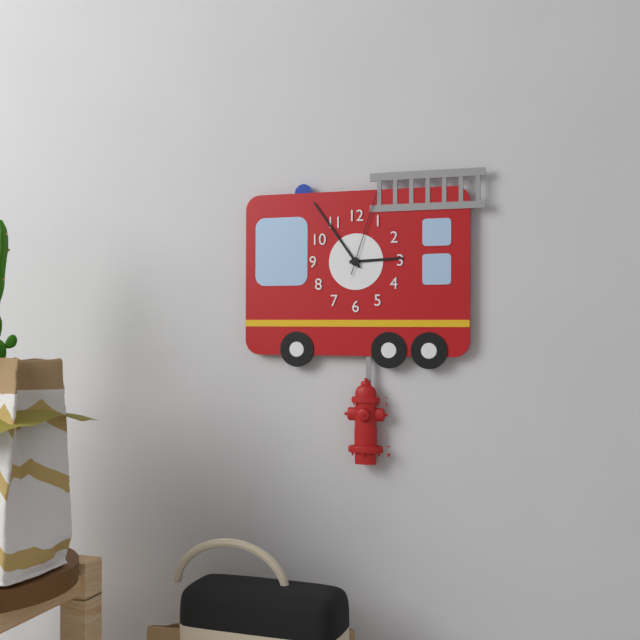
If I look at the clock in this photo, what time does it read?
2:54:03
